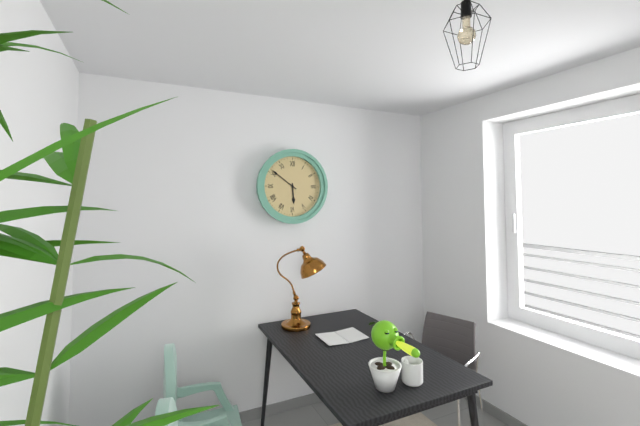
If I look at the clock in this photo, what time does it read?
5:51
